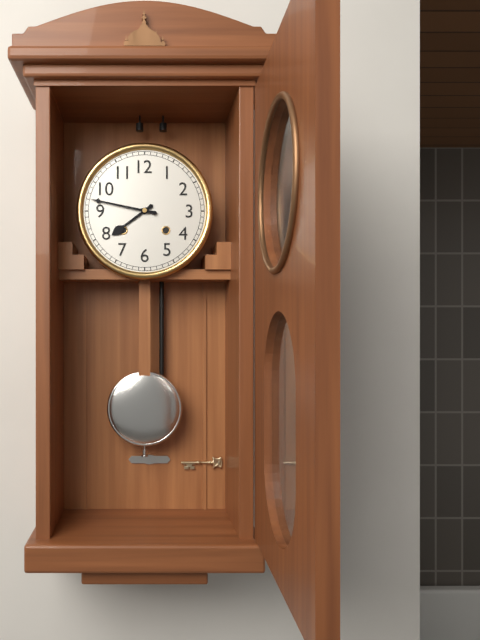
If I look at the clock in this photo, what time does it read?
7:47
